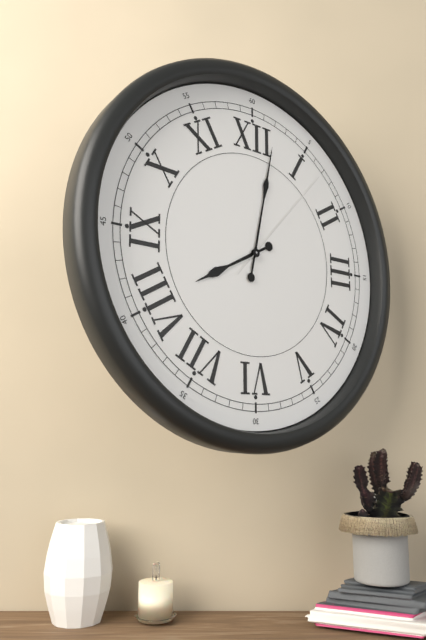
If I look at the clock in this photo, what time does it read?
8:02:07
